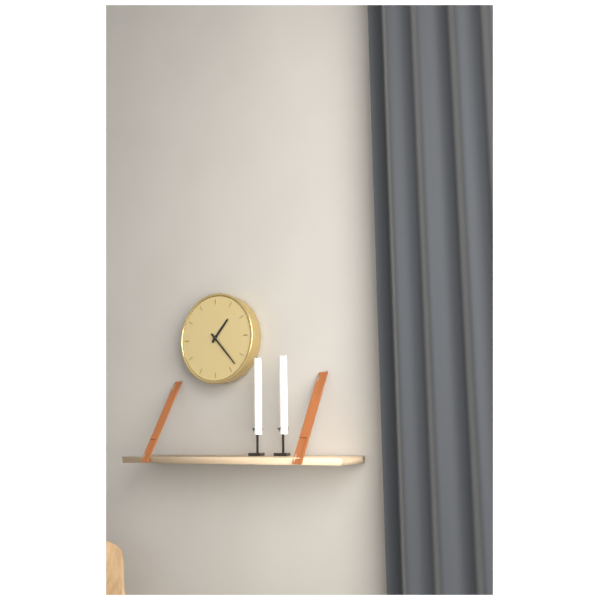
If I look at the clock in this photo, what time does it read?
1:23
